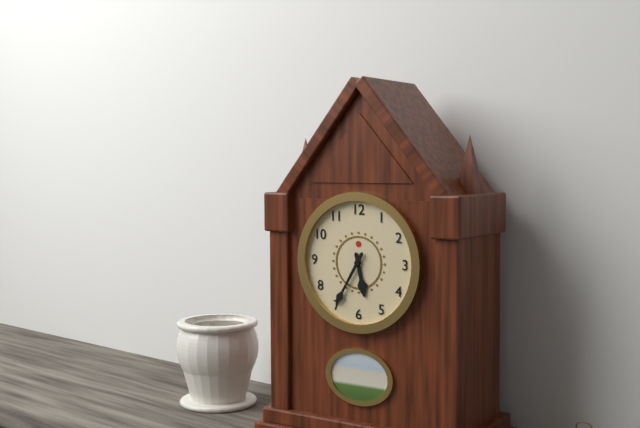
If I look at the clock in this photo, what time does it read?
5:35
